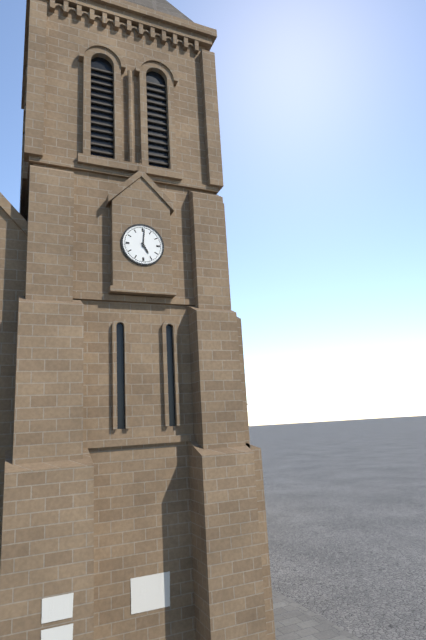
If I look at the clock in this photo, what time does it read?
5:01
